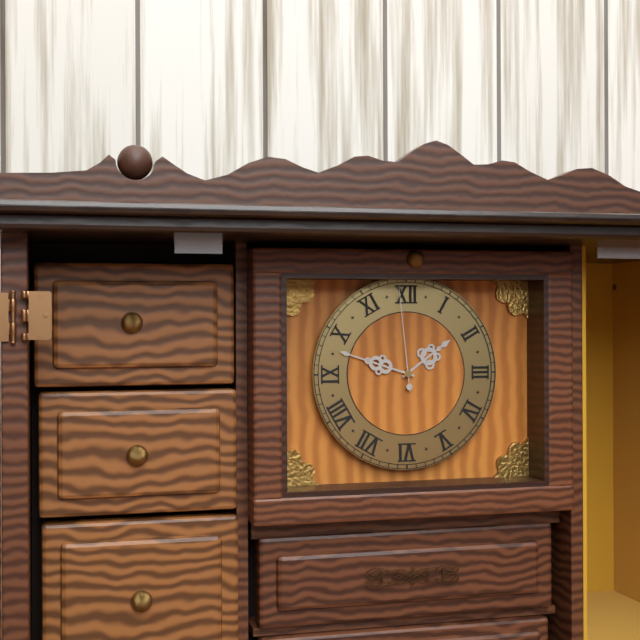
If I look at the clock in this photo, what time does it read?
1:48:59
